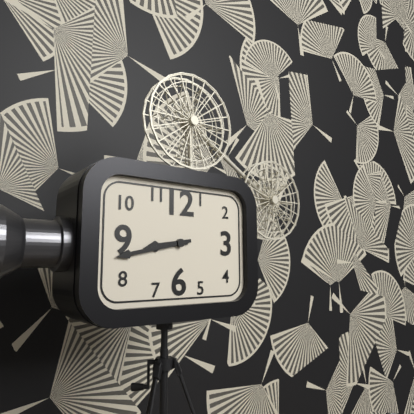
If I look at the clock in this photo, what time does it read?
8:43
